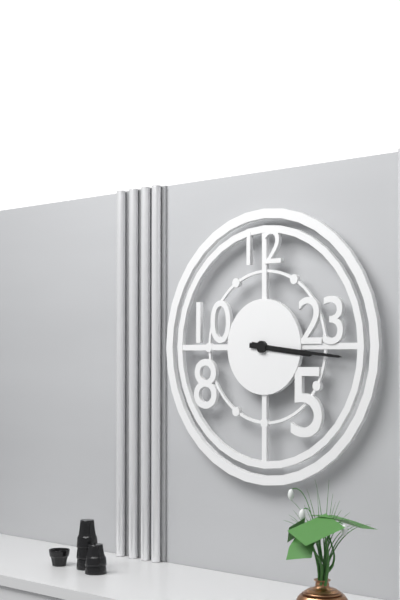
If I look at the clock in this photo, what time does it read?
3:16
